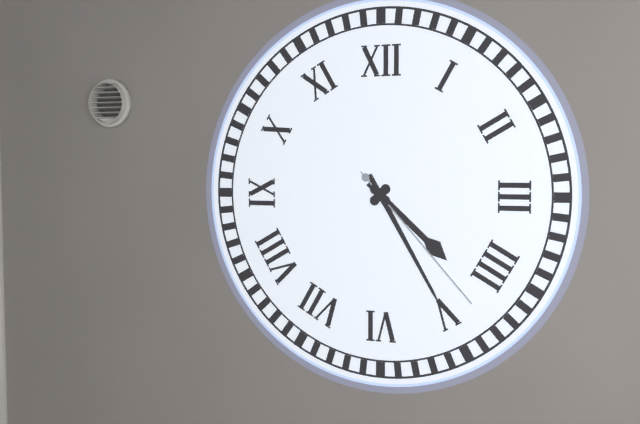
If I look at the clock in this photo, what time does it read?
4:25:23
